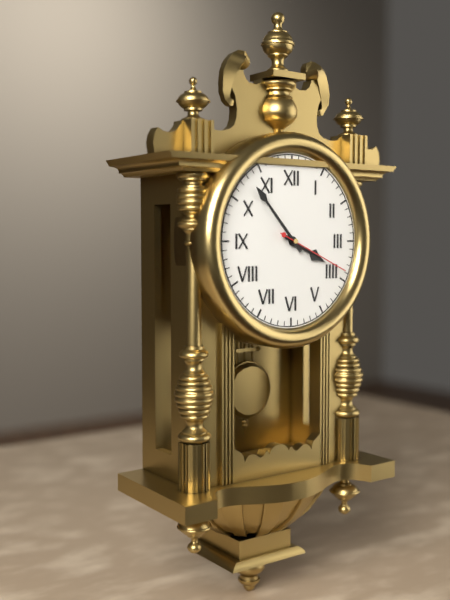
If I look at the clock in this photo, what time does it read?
3:53:19
